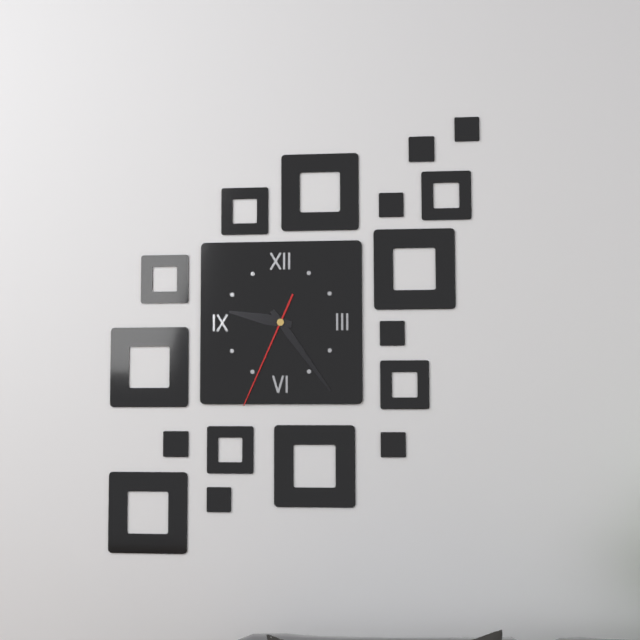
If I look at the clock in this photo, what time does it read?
9:24:34
